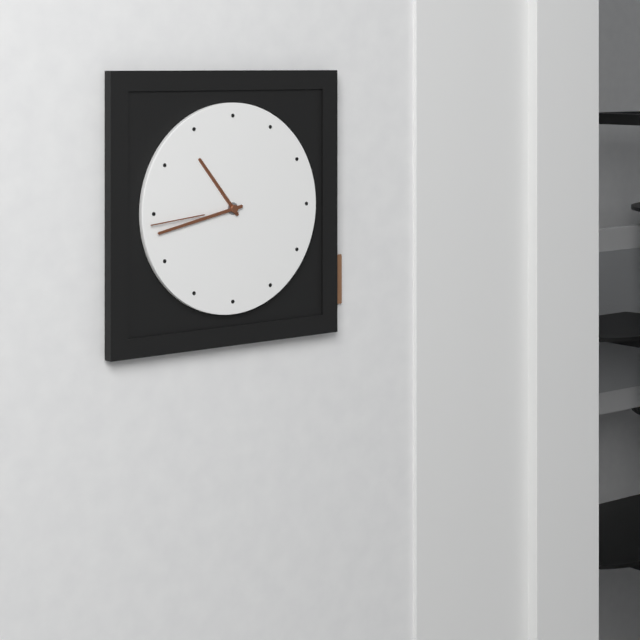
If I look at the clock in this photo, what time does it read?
10:43:44
